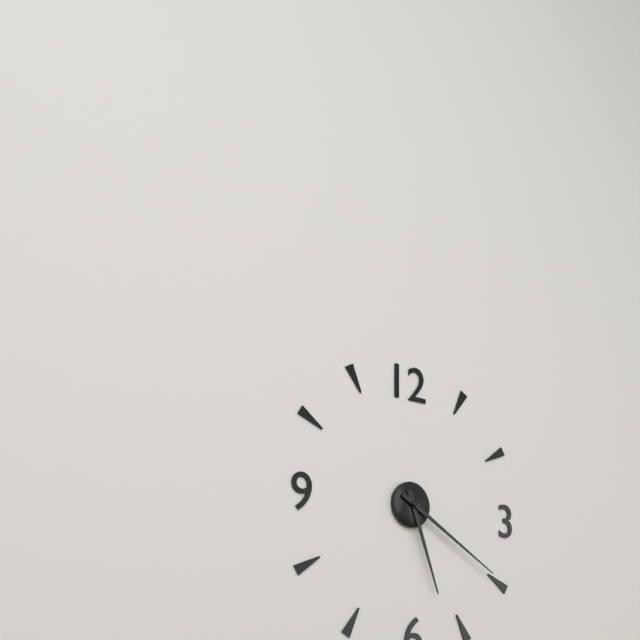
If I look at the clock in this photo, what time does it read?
5:20
